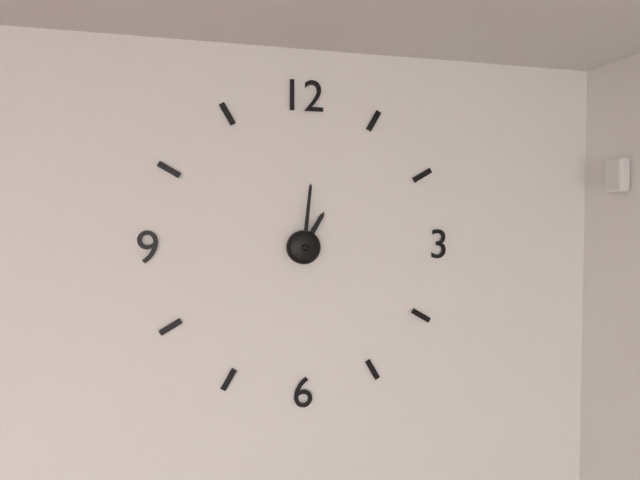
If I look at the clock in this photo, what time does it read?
1:01
